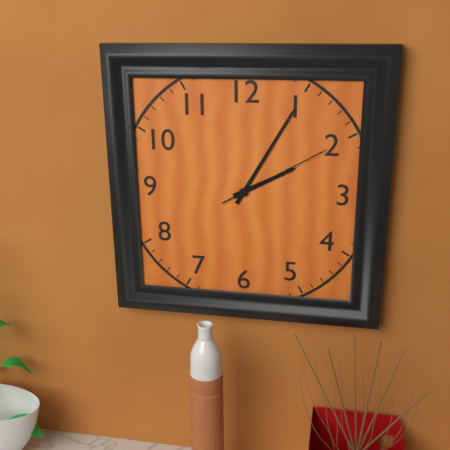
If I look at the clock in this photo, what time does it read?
2:05:10
